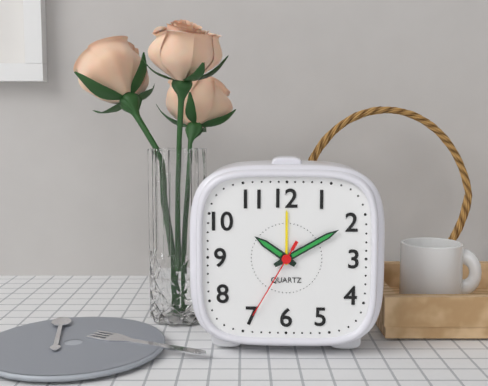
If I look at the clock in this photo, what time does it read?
10:10:35
